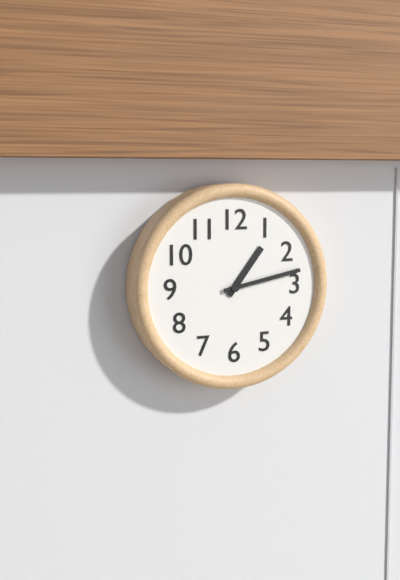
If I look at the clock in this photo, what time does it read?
1:13
